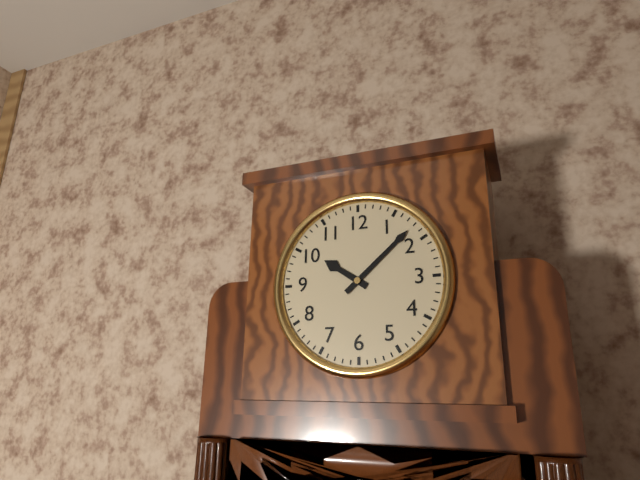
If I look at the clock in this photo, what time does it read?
10:08
